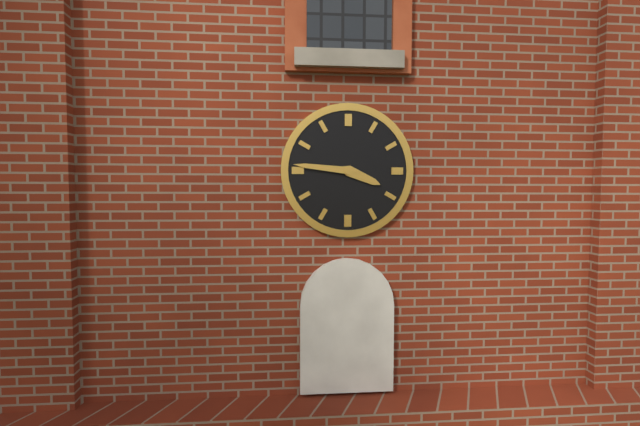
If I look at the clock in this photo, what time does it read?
3:46
